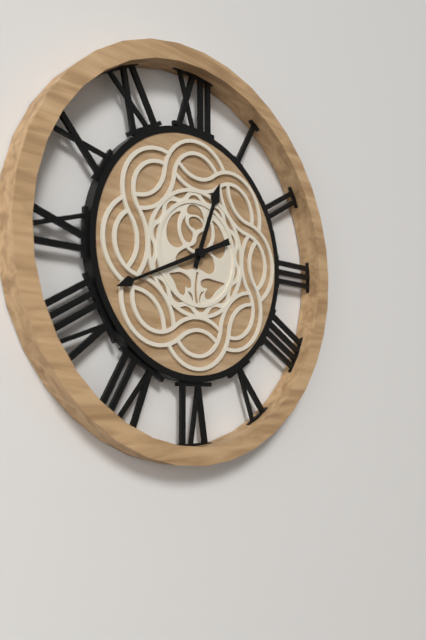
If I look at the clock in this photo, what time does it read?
12:41
